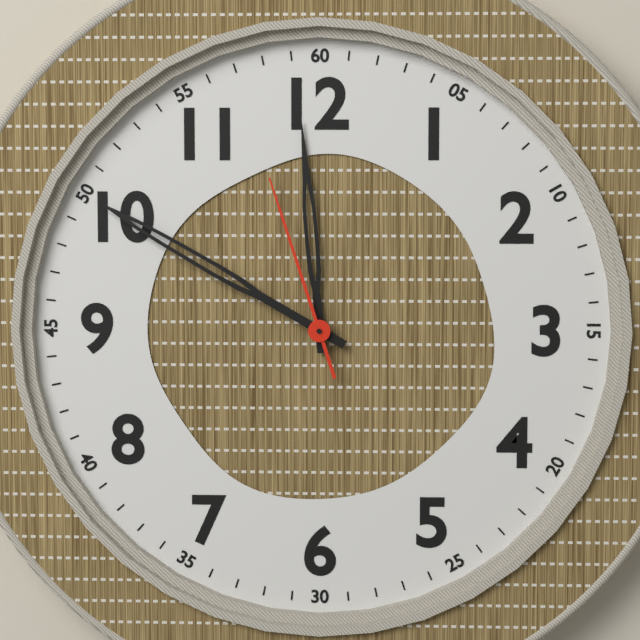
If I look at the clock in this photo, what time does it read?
11:50:57
